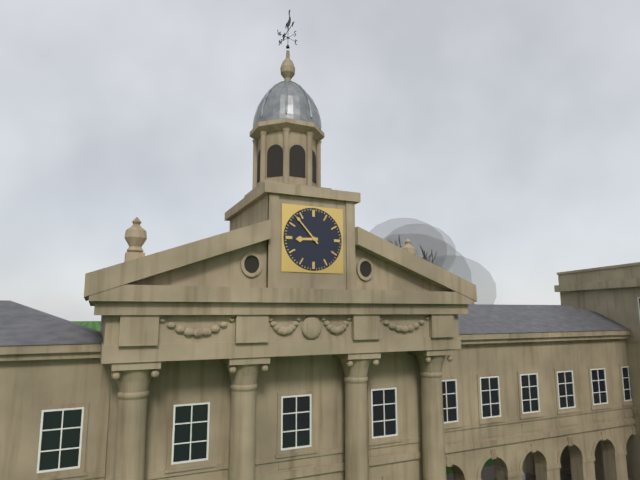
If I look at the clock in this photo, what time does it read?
8:53
